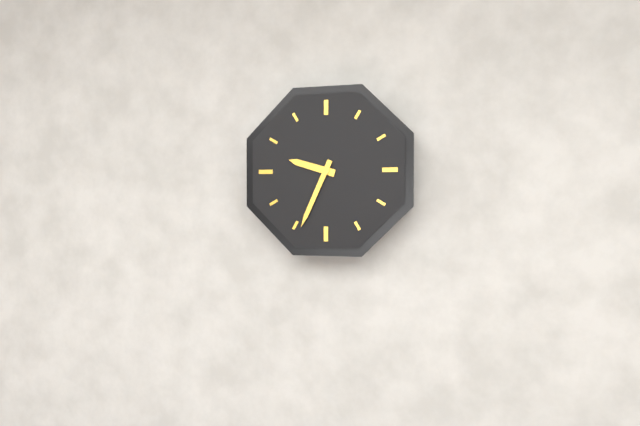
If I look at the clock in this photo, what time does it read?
9:34
